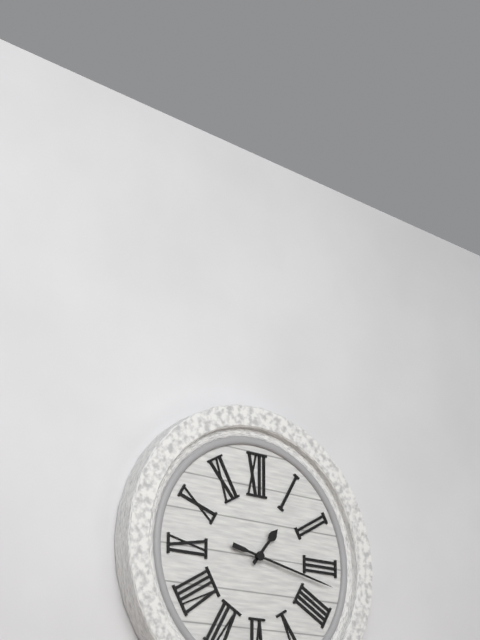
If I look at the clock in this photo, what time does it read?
1:17
